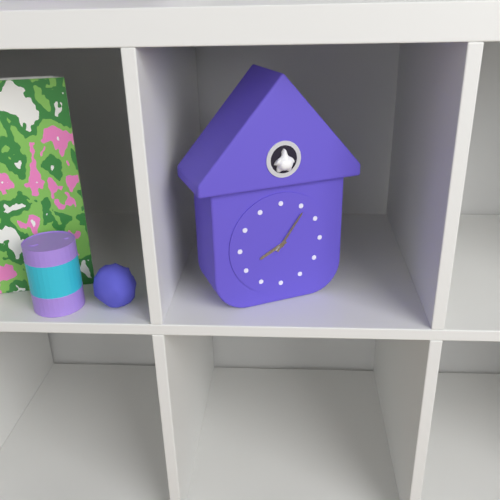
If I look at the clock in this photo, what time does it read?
8:06
